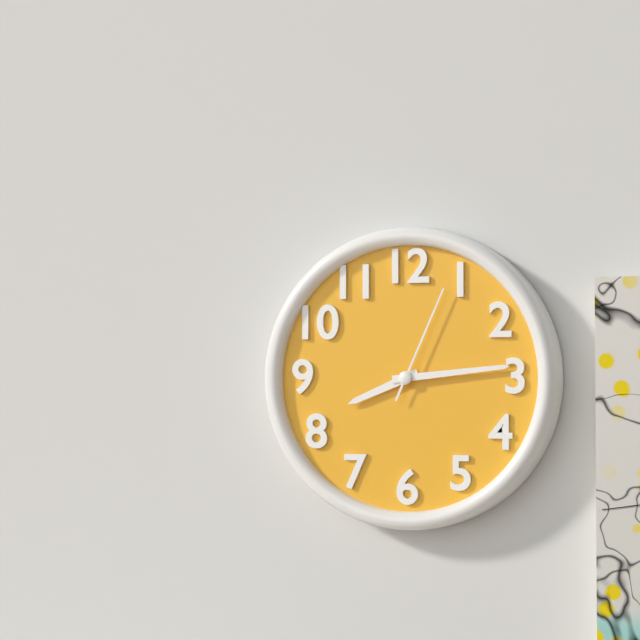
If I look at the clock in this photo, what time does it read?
8:14:04
